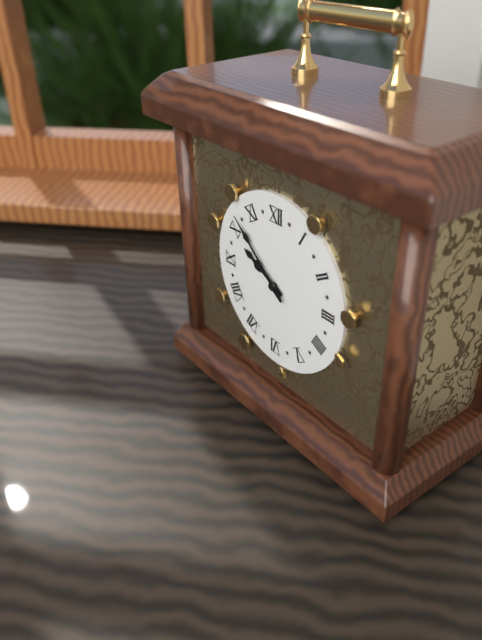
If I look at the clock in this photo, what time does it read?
9:52
